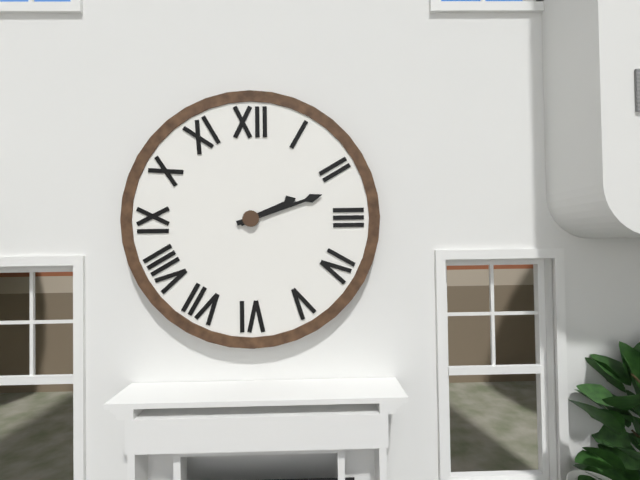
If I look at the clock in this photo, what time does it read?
2:12
